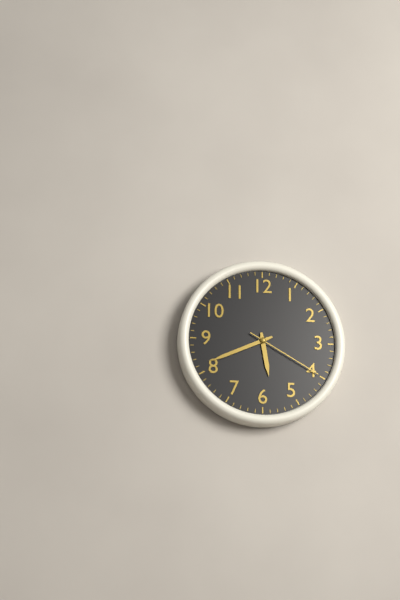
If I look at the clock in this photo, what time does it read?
5:41:20
